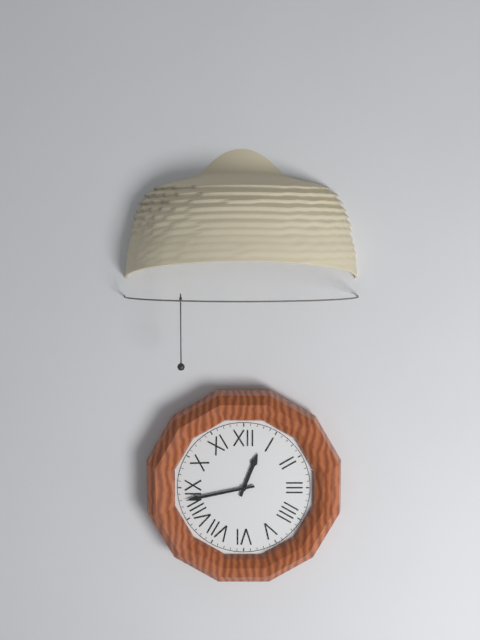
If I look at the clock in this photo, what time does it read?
12:43
